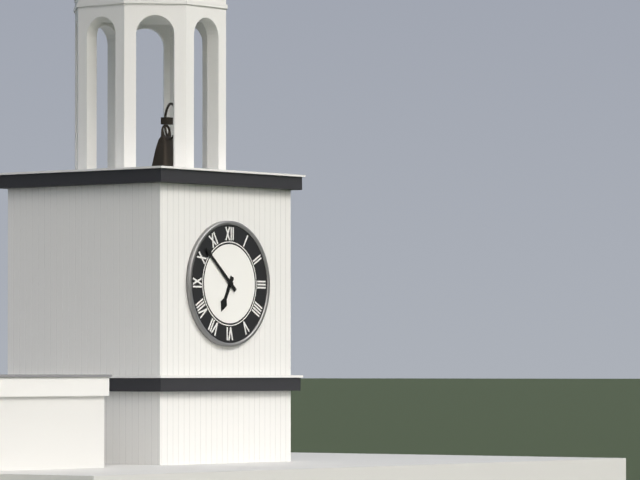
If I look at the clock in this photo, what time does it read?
6:52
